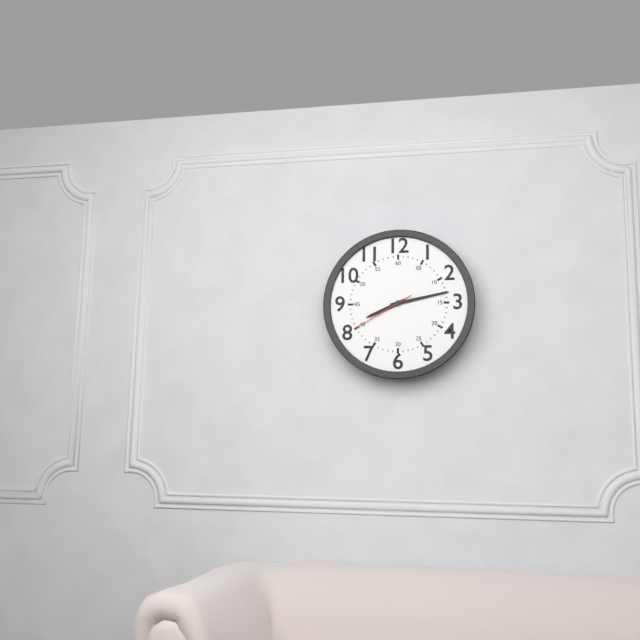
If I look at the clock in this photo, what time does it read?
8:13:40
